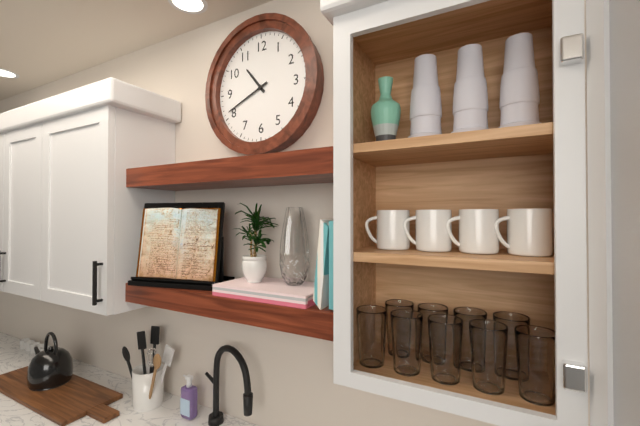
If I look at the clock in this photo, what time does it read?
10:41
